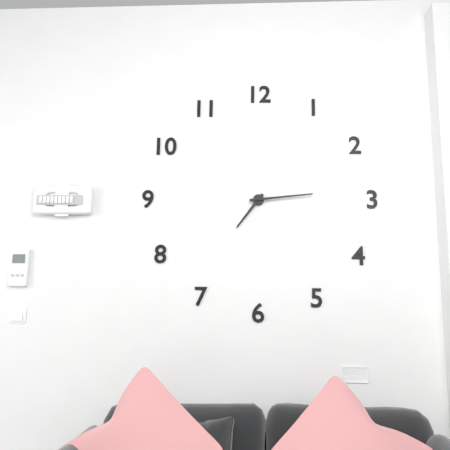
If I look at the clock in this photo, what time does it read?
7:14
